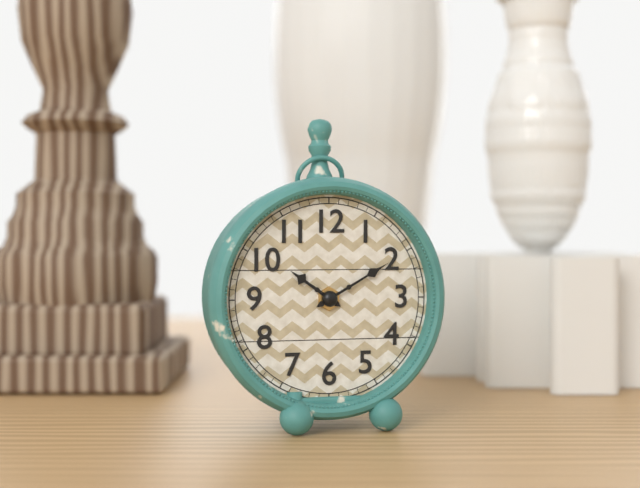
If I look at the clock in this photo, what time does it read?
10:10
